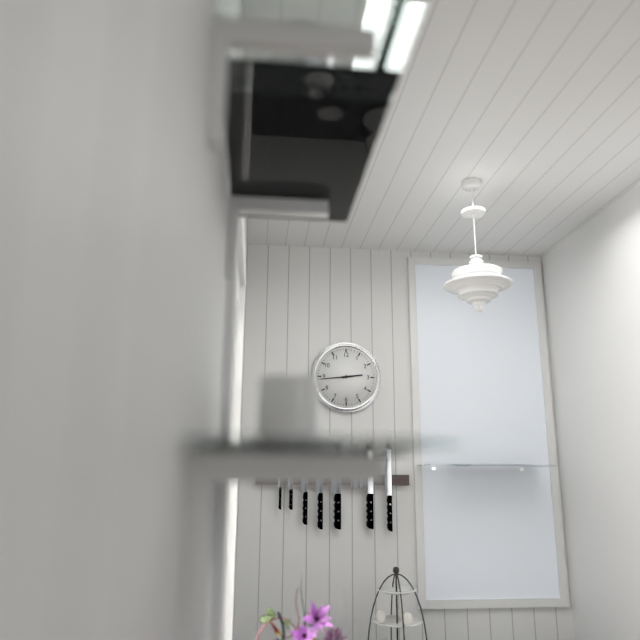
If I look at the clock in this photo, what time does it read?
2:44
